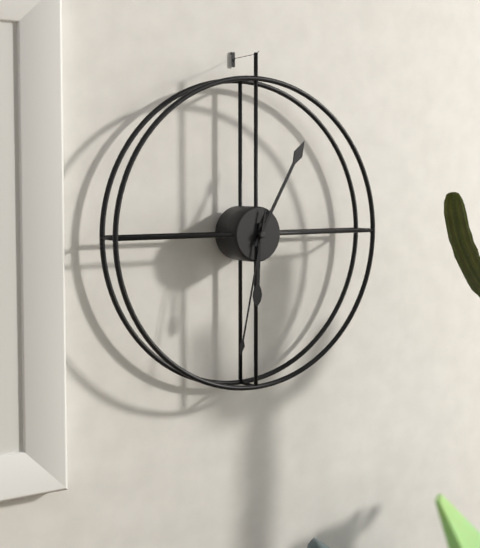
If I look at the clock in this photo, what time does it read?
6:05:32
